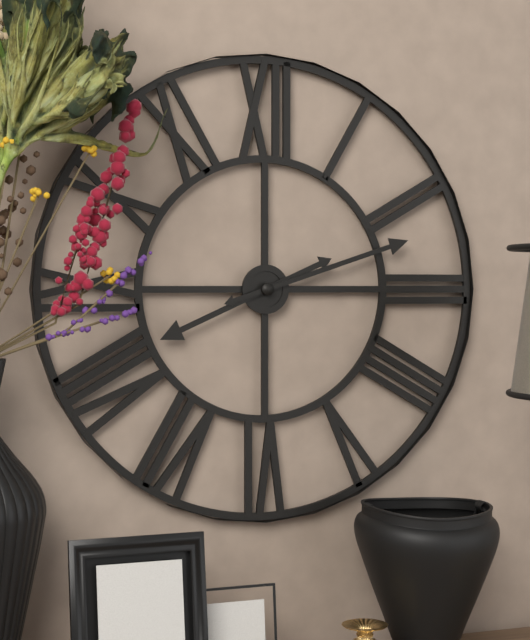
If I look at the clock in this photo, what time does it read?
8:12
